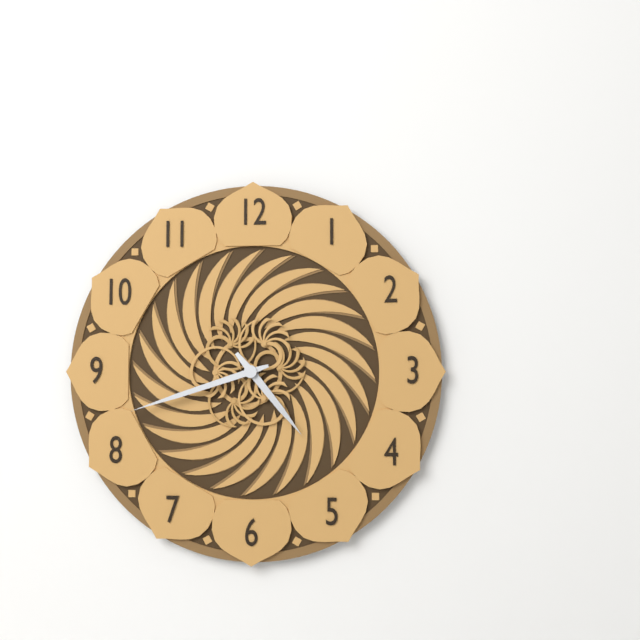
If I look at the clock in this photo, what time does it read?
4:42
